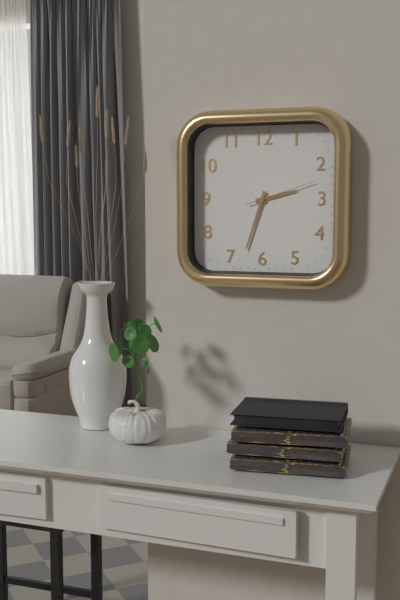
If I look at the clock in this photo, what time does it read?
2:33:12
